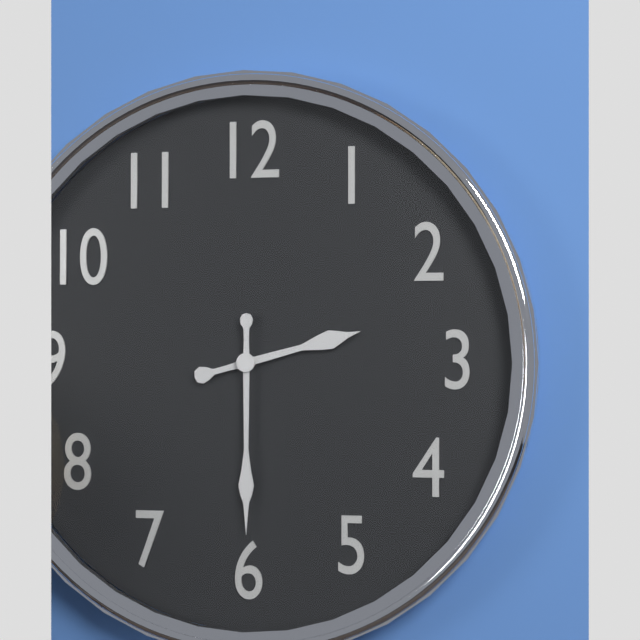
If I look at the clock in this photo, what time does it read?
2:30
